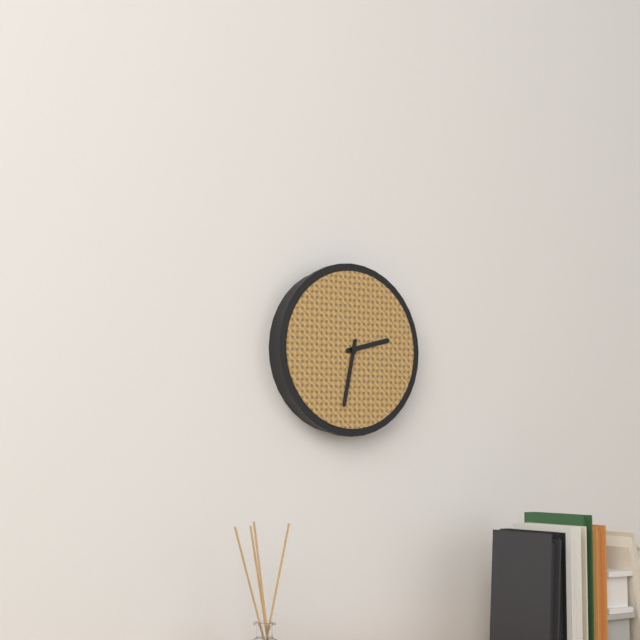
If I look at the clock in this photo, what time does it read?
2:32
